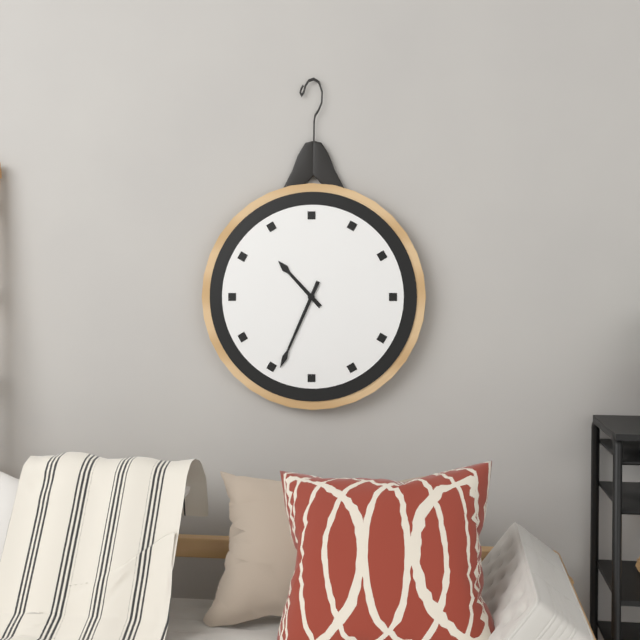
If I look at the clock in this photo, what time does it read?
10:34
